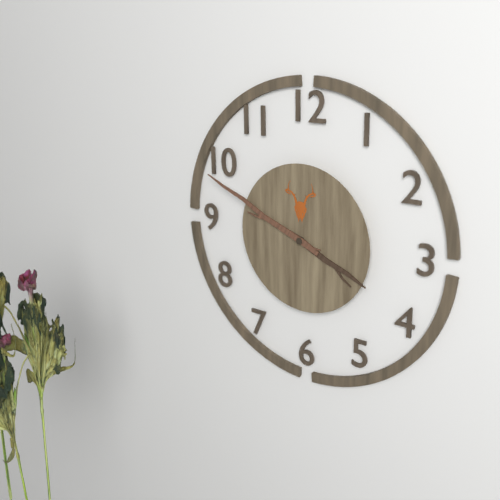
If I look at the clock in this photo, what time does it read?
3:49
